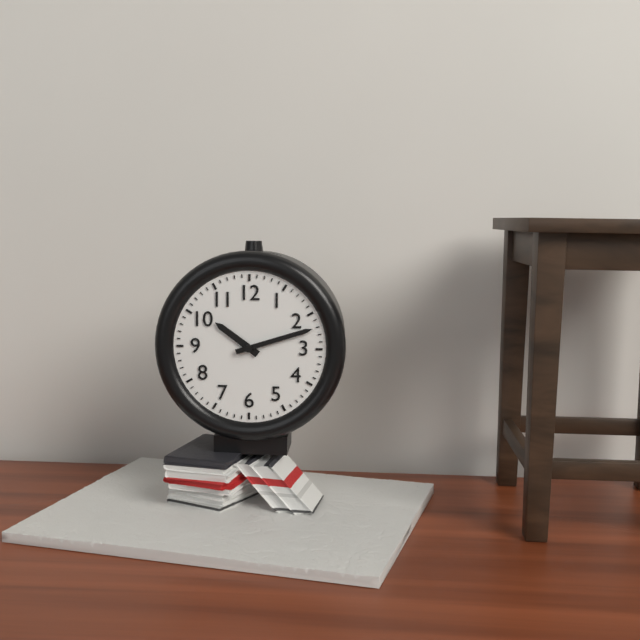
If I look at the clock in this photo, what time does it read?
10:12
